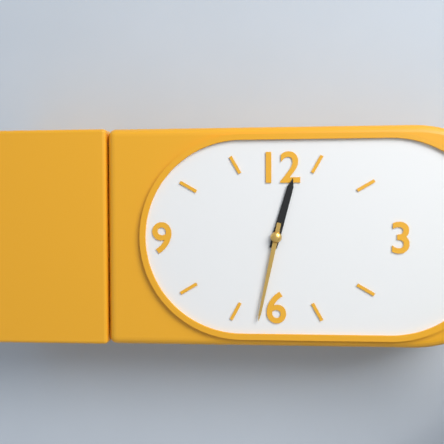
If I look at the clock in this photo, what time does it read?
12:32
